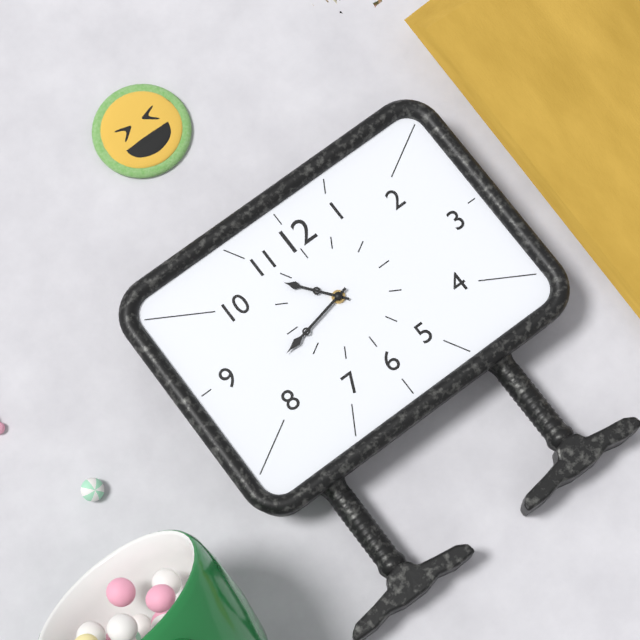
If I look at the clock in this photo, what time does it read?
10:43
